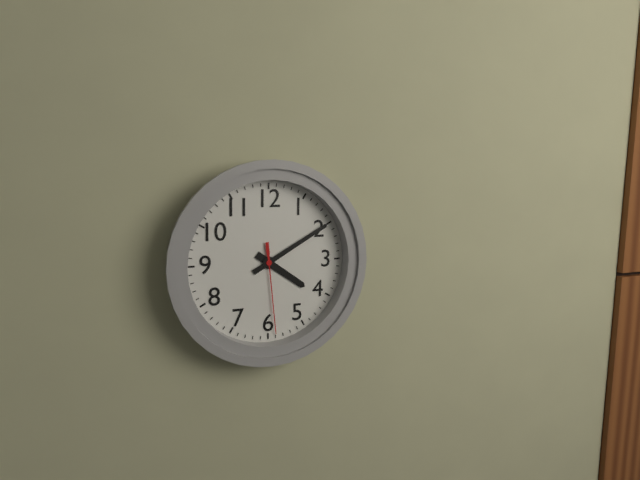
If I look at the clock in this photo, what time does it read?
4:10:29
